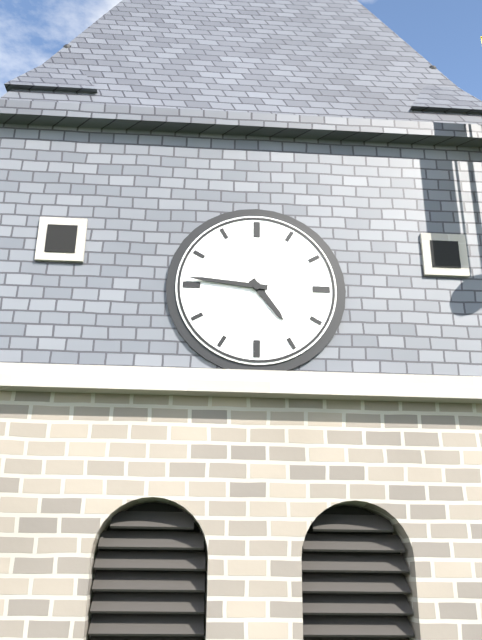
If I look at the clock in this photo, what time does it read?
4:46
